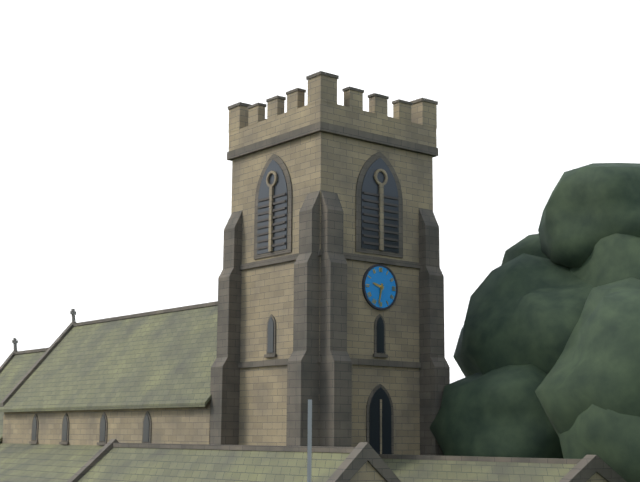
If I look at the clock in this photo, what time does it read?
9:32
